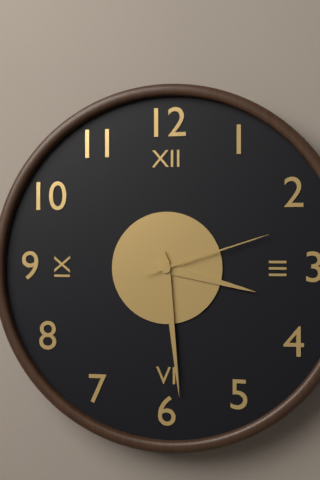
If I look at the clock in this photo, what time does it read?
3:29:12
